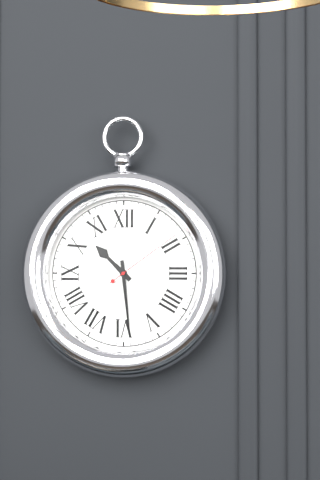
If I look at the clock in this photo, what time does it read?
10:29:09
